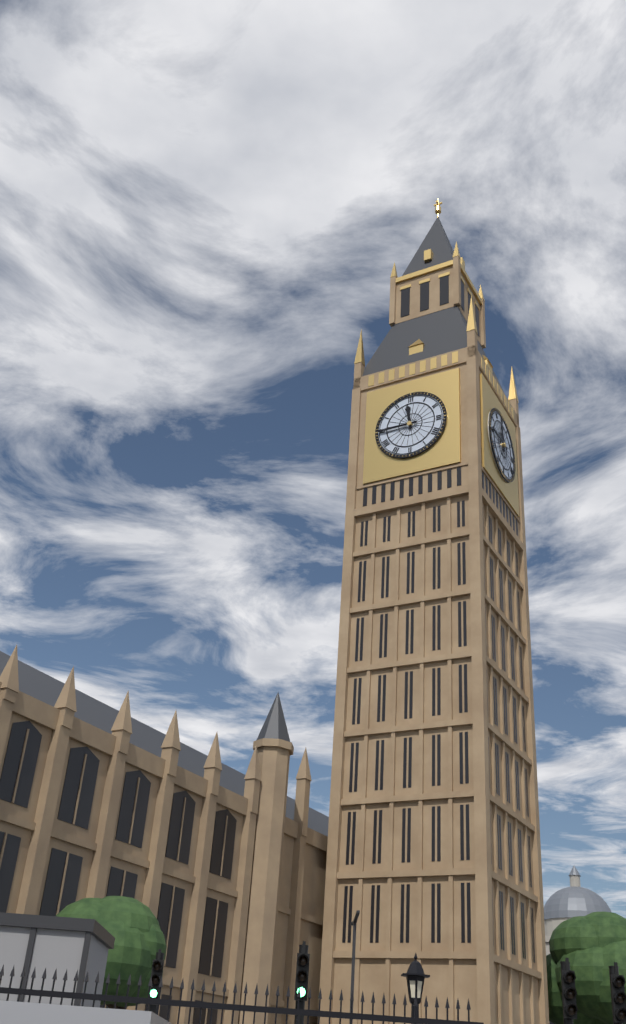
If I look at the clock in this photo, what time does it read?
11:45
